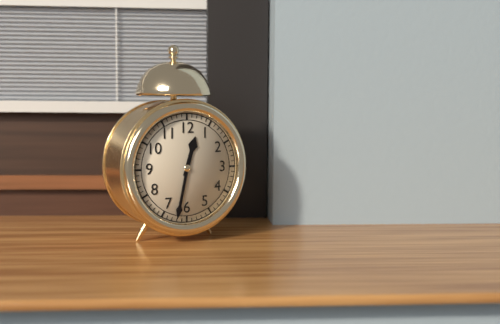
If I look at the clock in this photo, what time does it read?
12:32
